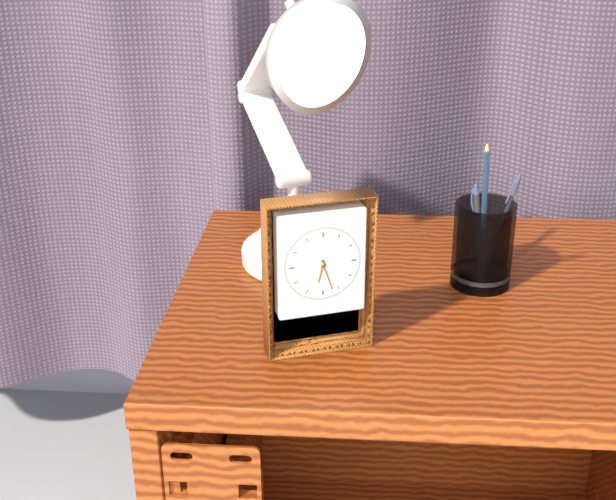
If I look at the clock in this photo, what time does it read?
6:27
